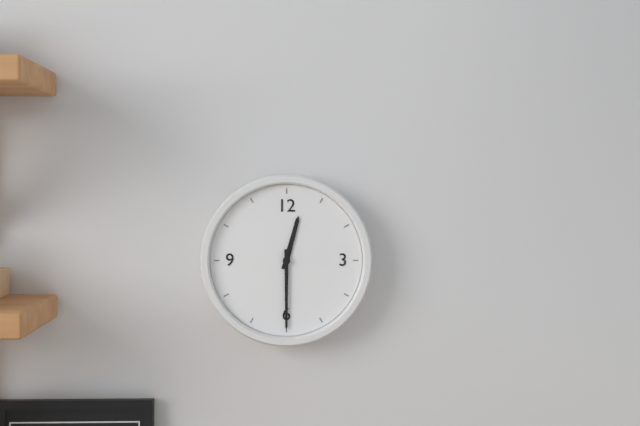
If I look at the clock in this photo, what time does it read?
12:30
